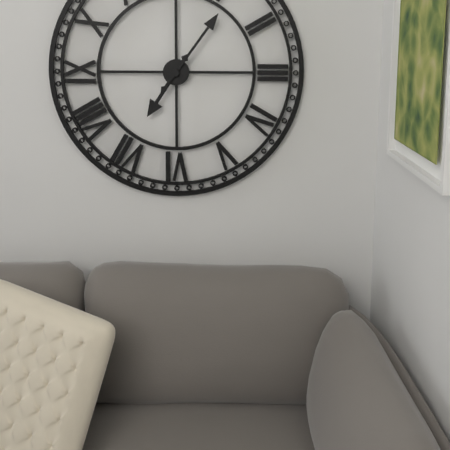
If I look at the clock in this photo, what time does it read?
7:06
